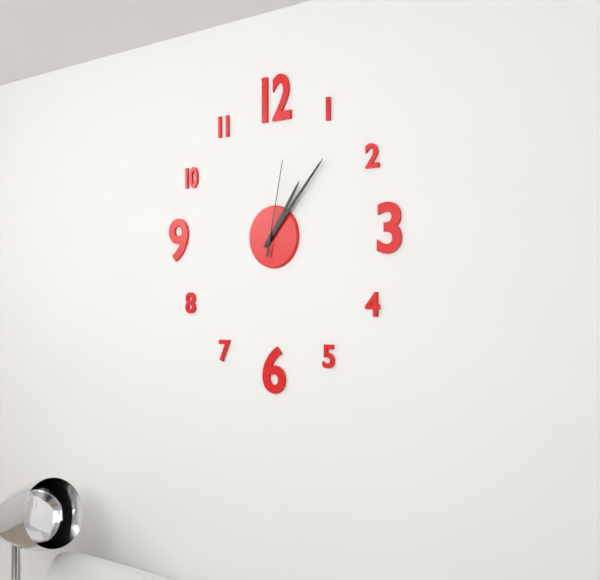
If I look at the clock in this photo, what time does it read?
1:07:02
